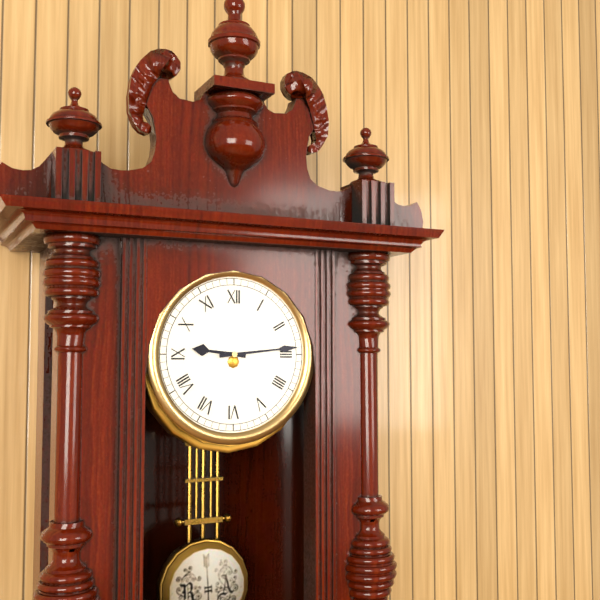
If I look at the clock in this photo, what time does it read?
9:14
